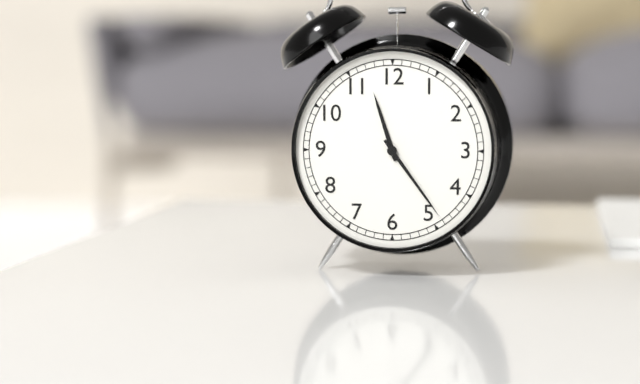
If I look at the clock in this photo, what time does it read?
11:24
